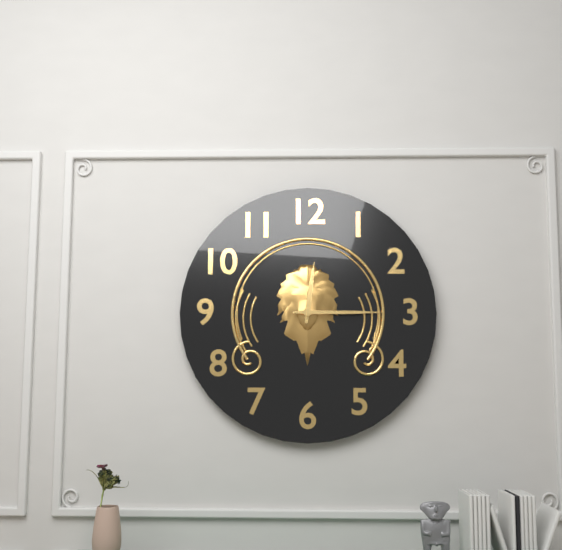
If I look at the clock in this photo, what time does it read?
12:15
